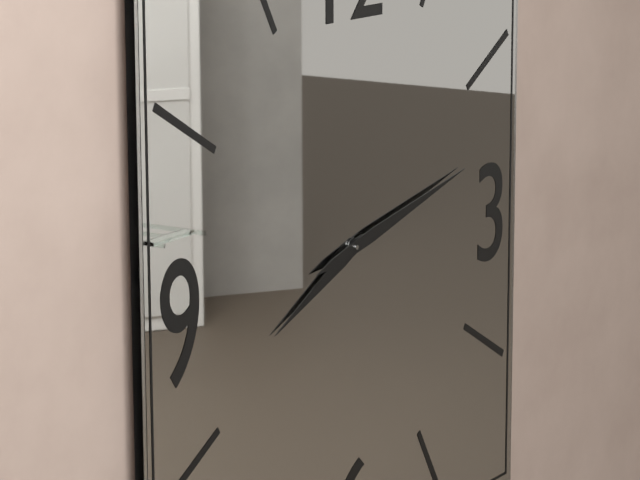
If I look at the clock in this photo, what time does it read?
8:13
